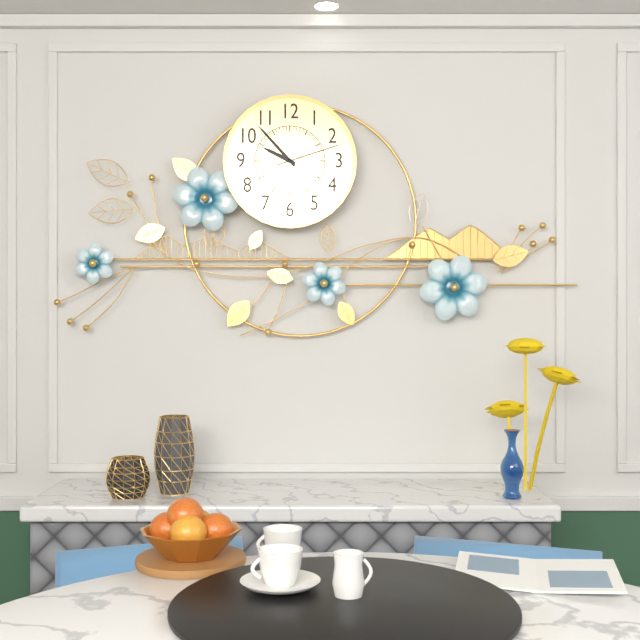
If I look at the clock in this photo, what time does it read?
9:53:12
